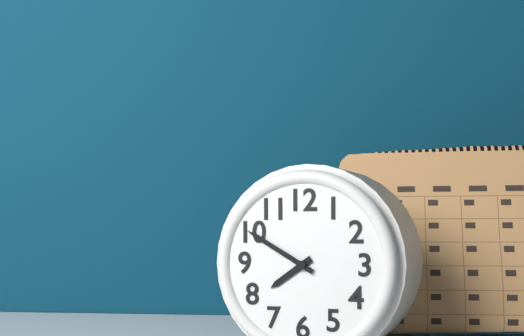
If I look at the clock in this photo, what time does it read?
7:50
